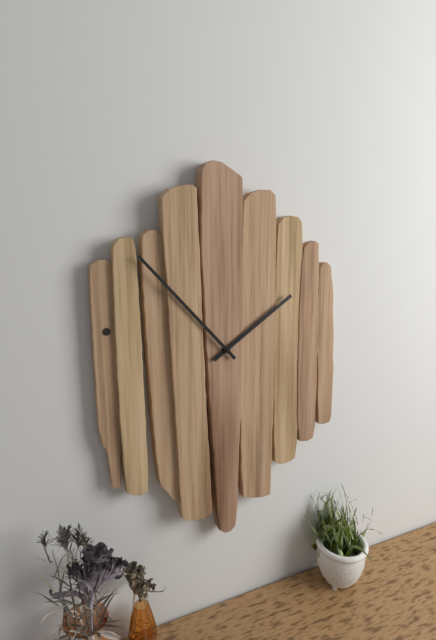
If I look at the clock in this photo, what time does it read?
1:53
